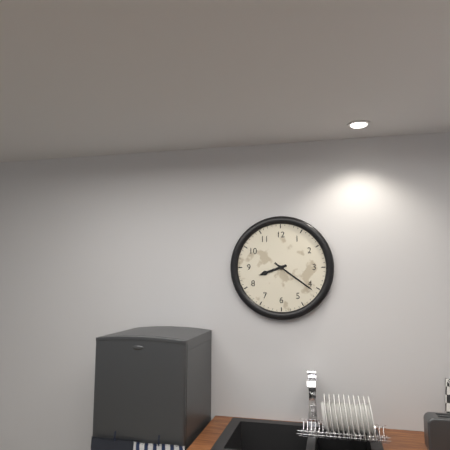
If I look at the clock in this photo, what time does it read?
8:21
